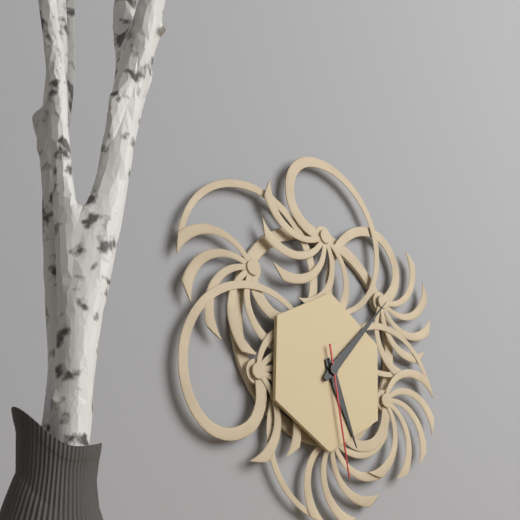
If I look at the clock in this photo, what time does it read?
5:07:28
